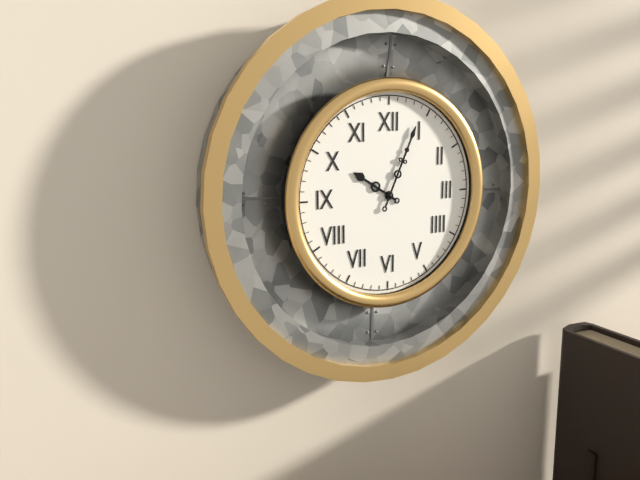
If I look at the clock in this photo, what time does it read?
10:04
